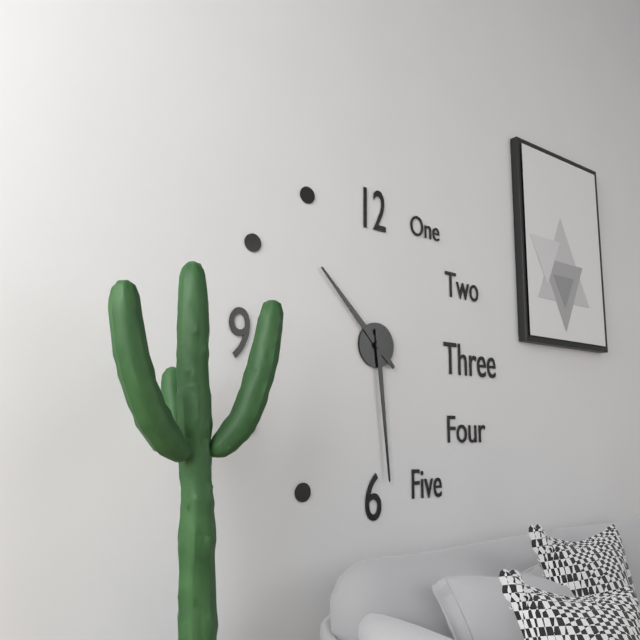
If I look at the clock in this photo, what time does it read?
10:29
